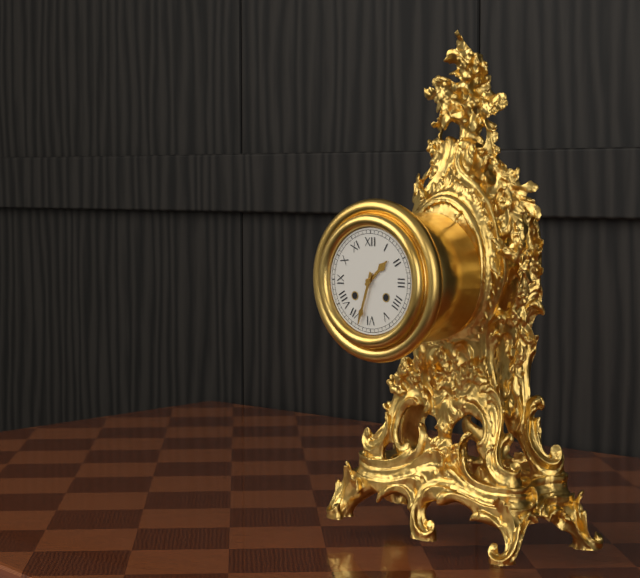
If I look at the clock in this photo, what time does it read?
1:33
